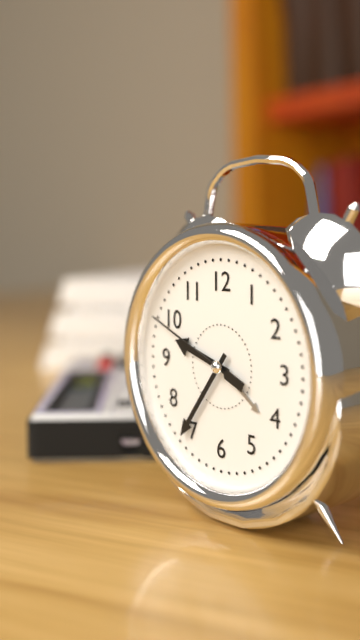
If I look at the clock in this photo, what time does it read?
9:36:49
